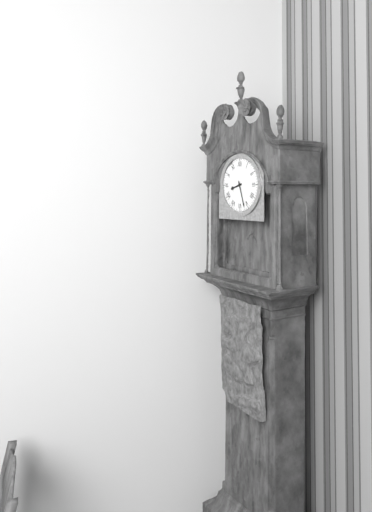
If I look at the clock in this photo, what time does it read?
8:27
